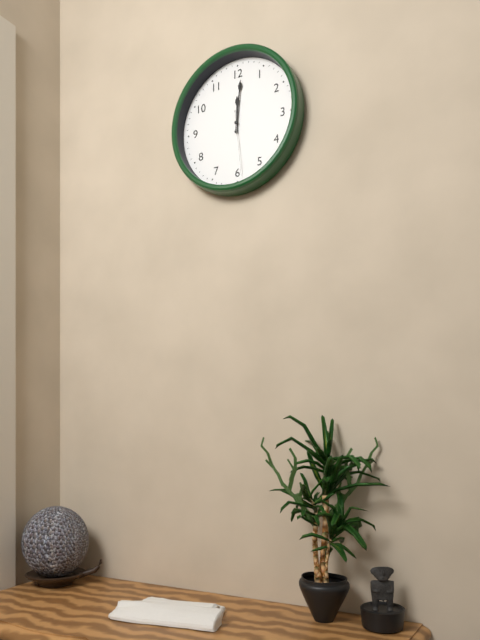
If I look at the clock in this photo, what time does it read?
12:01:29
